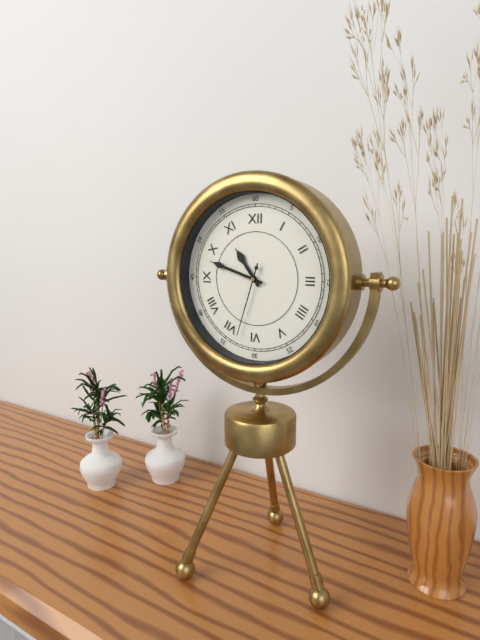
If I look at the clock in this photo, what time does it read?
10:48:33
